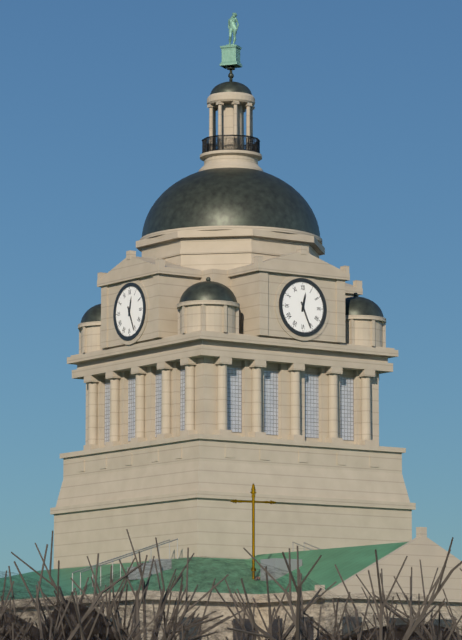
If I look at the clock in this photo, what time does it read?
12:26
